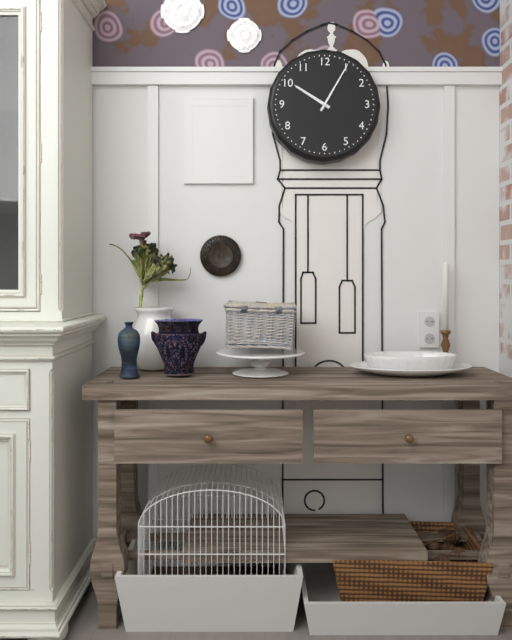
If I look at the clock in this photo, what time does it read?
10:05
